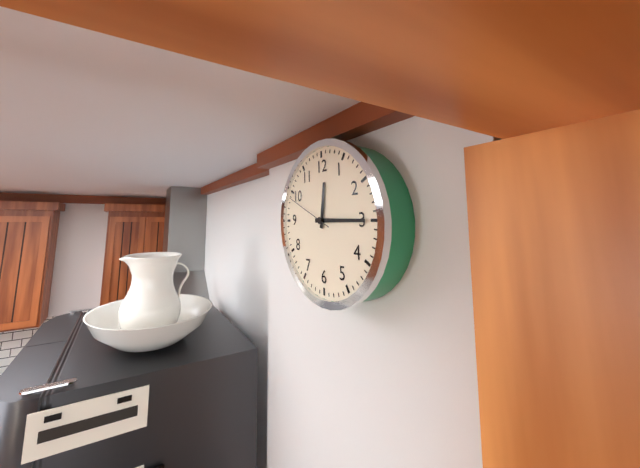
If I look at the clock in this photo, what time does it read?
12:15
